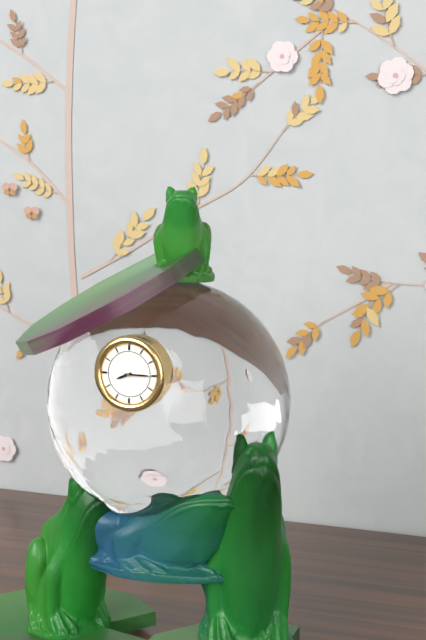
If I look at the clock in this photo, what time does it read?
8:15
